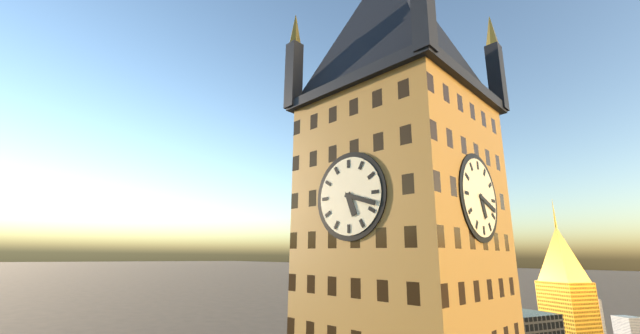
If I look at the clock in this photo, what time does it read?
5:18
